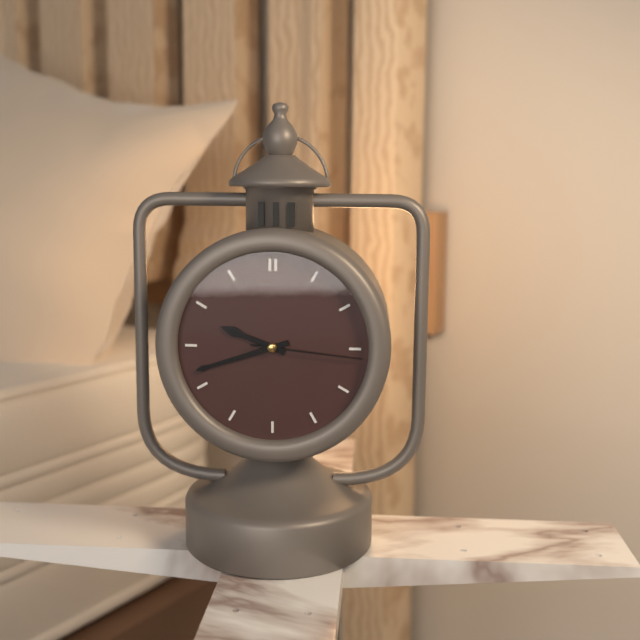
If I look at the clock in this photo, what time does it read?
9:42:16
